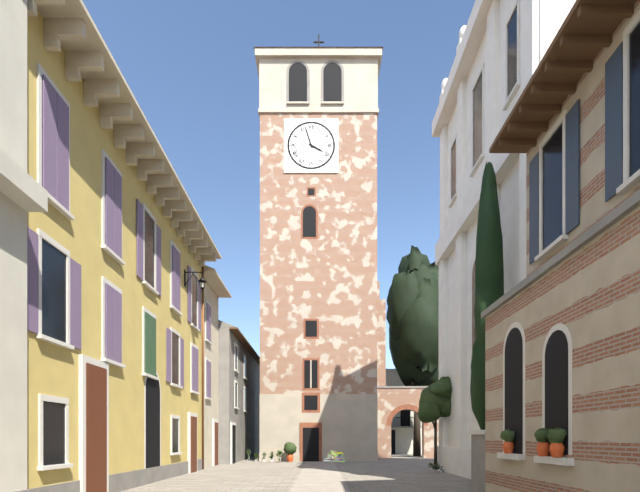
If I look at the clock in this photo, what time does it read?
3:57
